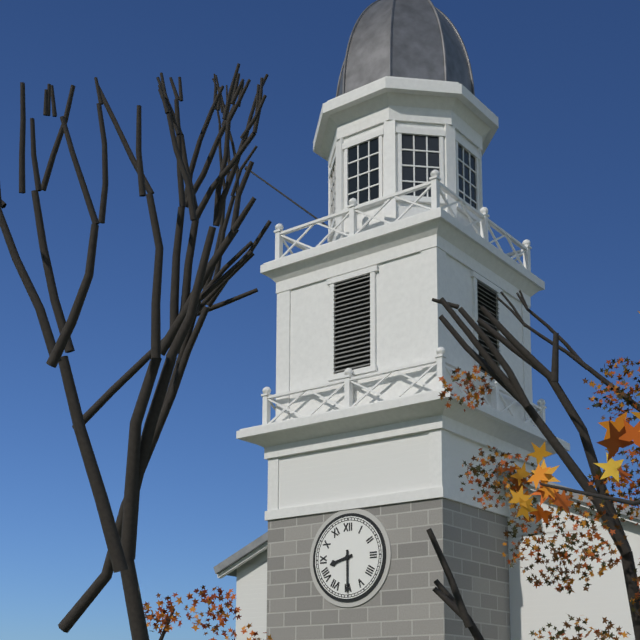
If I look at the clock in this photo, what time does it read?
8:30
